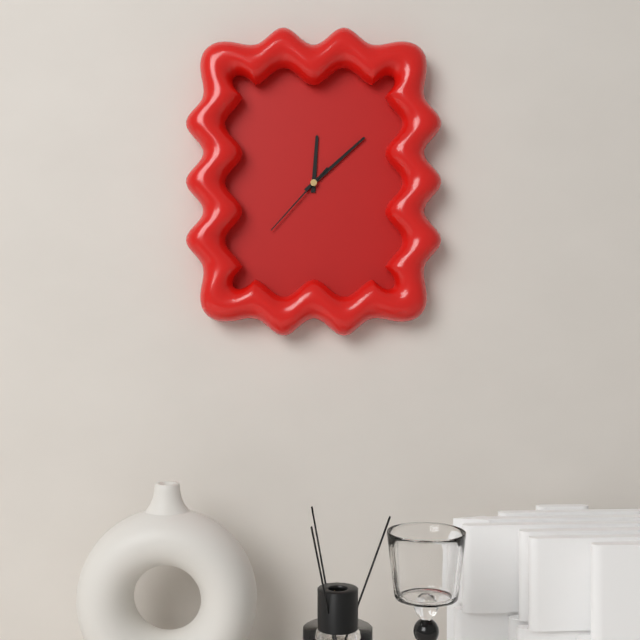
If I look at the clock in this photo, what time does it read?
12:08:37
